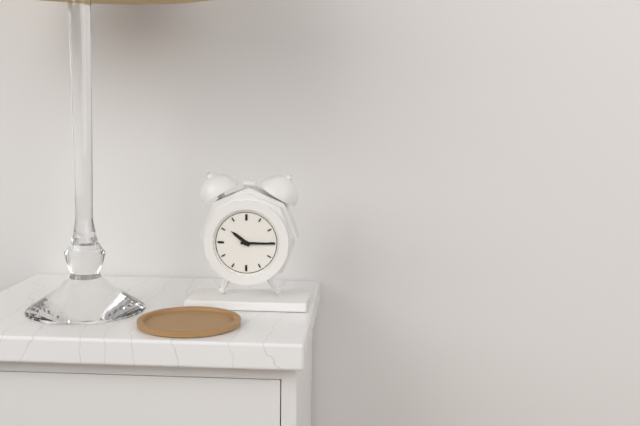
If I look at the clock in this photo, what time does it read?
10:15
